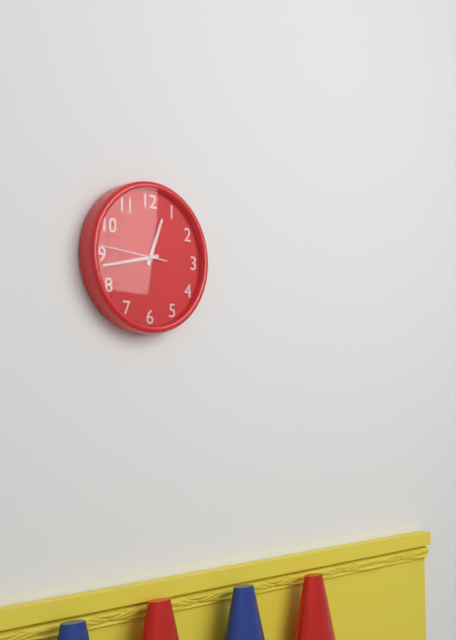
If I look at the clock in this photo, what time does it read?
12:43:46
